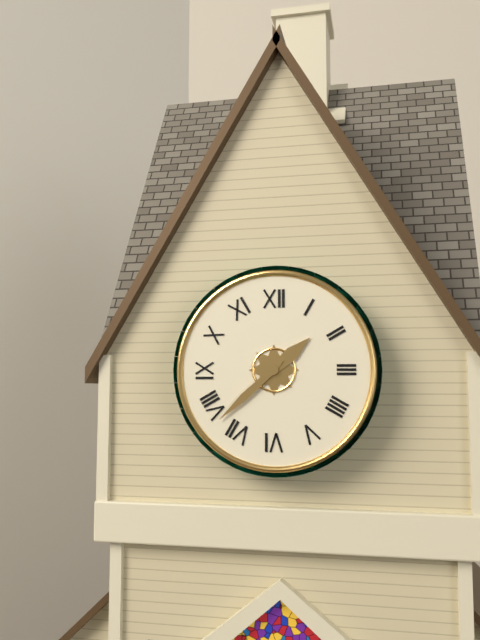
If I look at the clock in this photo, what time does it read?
1:38
